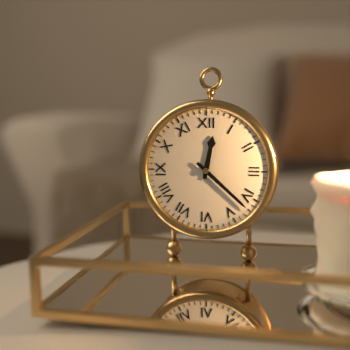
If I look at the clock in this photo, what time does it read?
12:22
